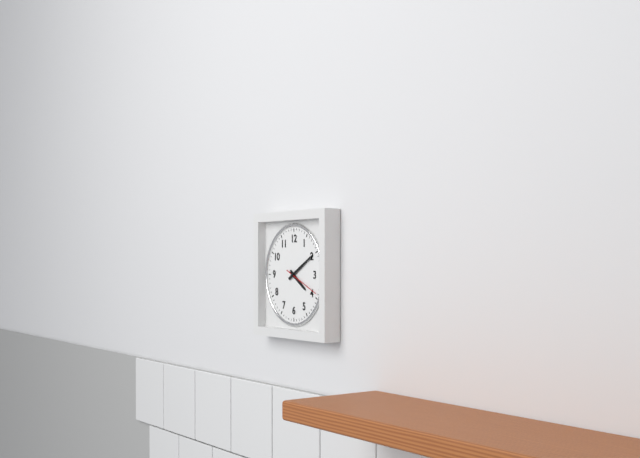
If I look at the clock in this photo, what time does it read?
4:10
